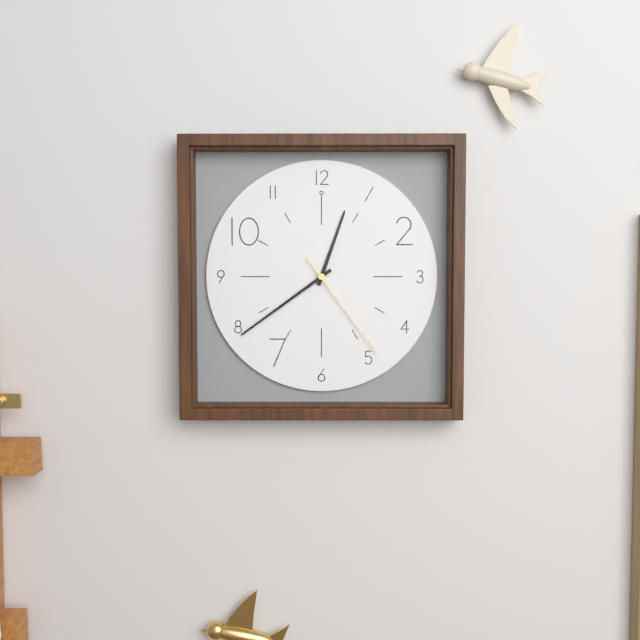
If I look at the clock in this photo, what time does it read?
12:39:24
